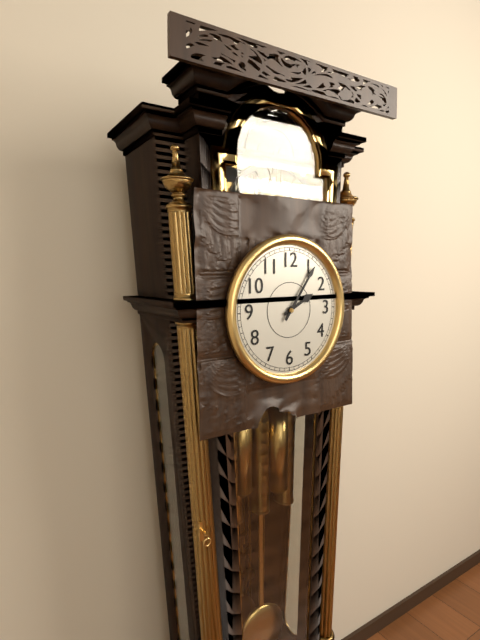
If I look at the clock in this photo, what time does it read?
2:06
